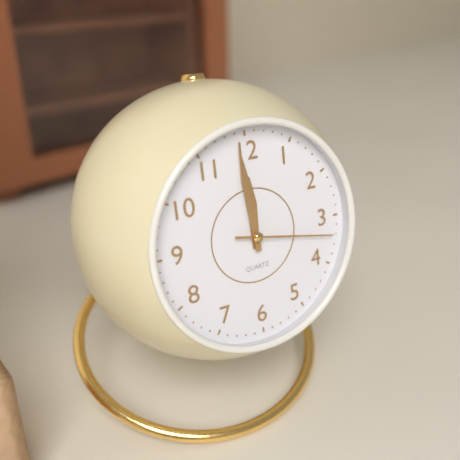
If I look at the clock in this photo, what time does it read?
11:59:17
